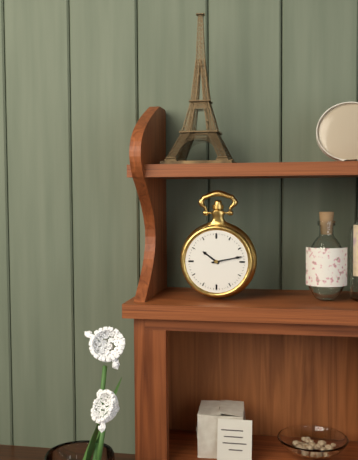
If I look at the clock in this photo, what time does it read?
10:13
